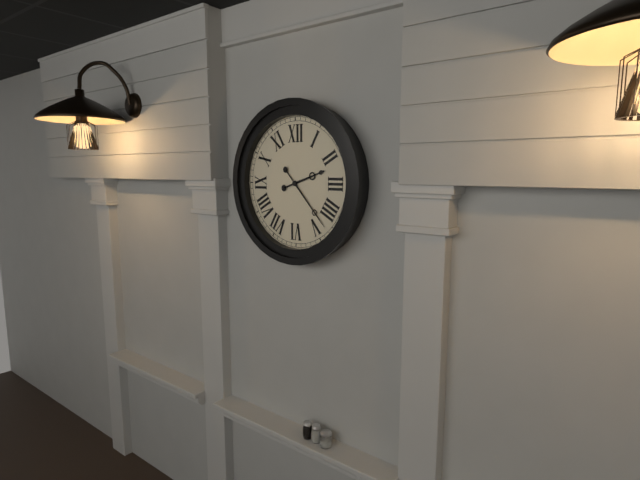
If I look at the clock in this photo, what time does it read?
2:23
